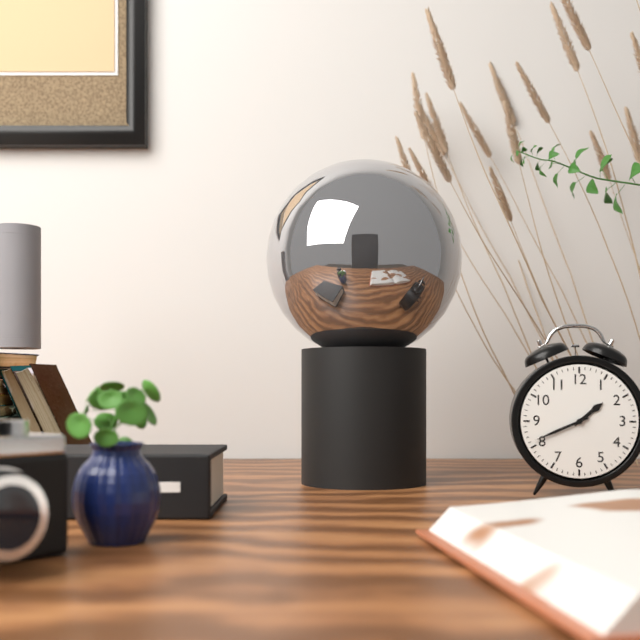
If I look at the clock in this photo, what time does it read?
1:41
